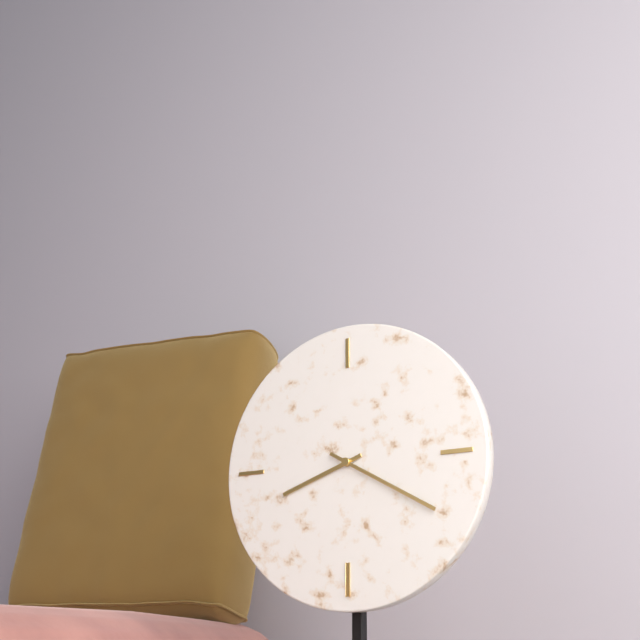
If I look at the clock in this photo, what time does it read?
8:20
